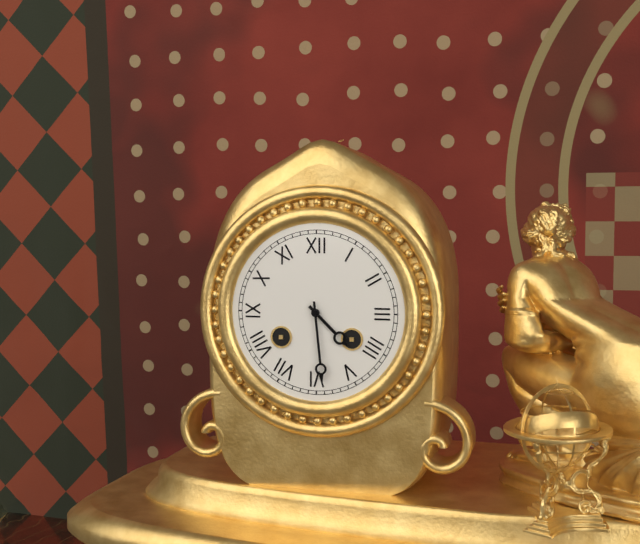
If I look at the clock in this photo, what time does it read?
4:29
